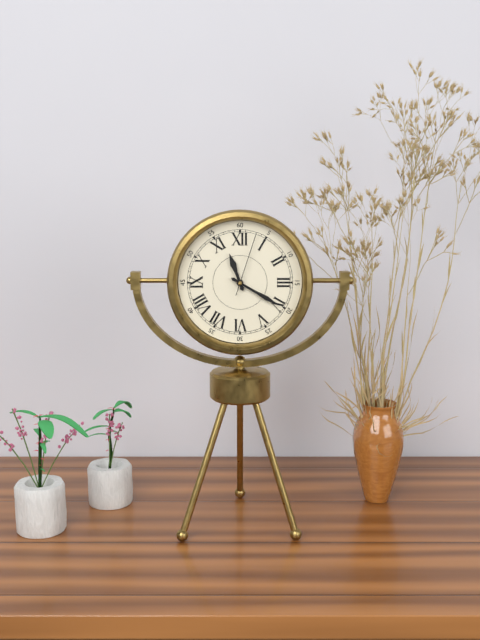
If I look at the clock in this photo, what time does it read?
11:20:03
